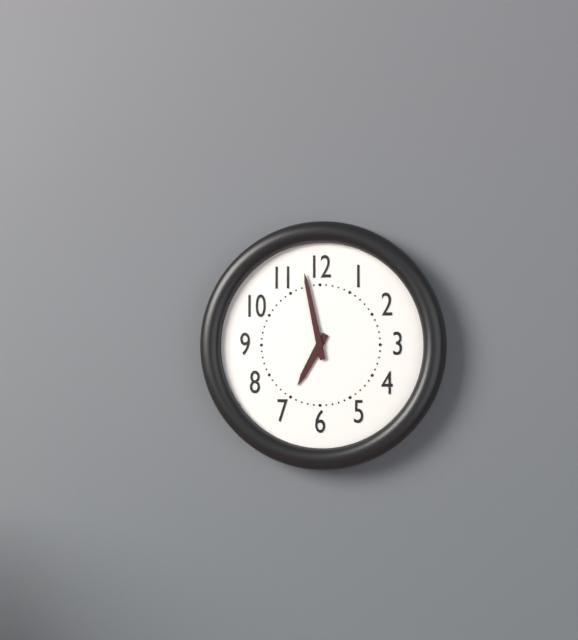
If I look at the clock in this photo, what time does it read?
6:58
